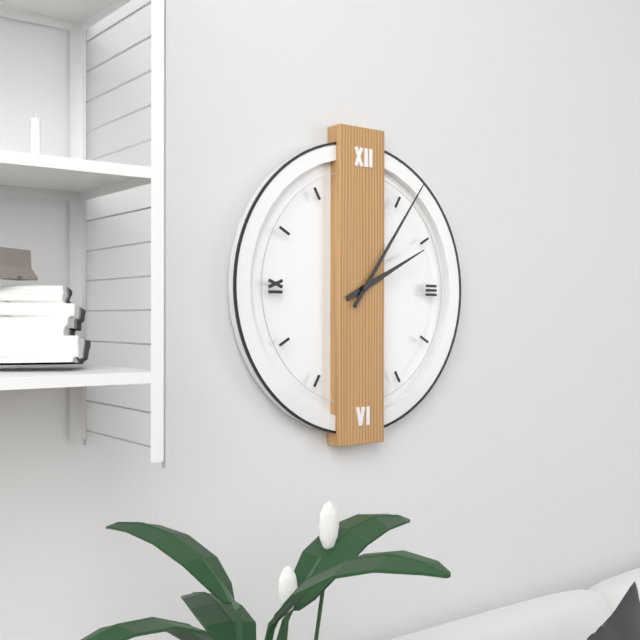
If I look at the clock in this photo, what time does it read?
2:06
